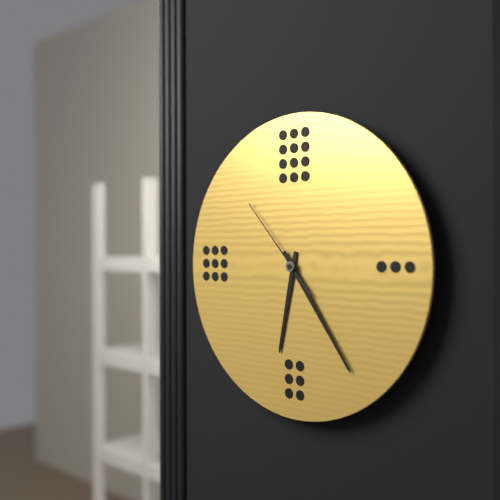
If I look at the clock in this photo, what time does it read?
6:24:53
